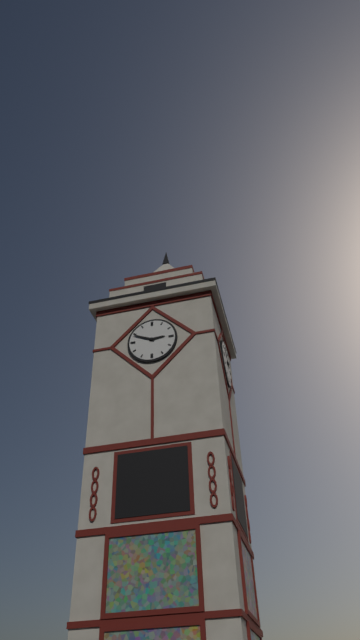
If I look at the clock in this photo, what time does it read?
2:49
